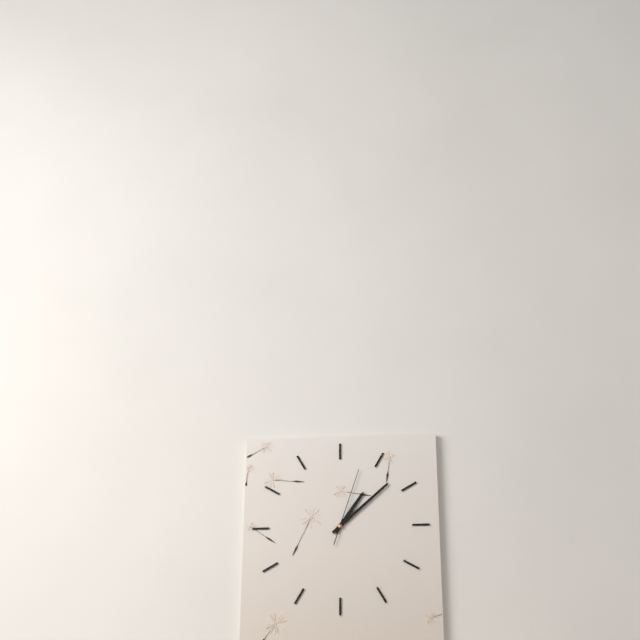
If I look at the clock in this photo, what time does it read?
1:08:03
